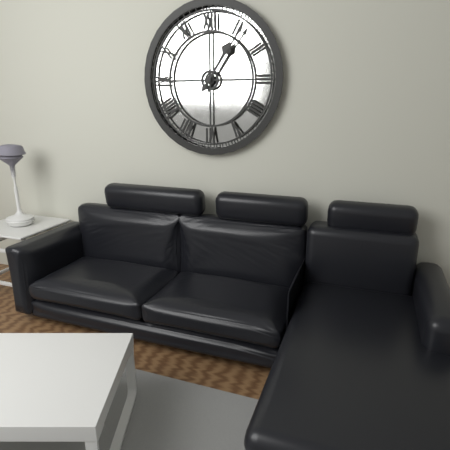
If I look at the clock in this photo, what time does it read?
1:06
